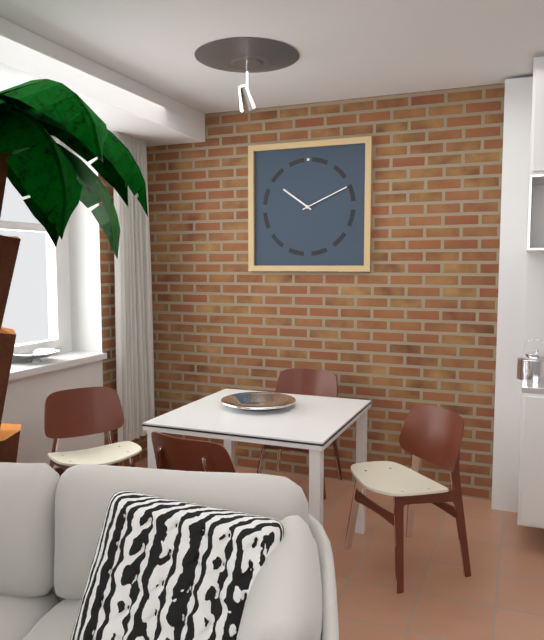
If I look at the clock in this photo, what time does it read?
10:11
